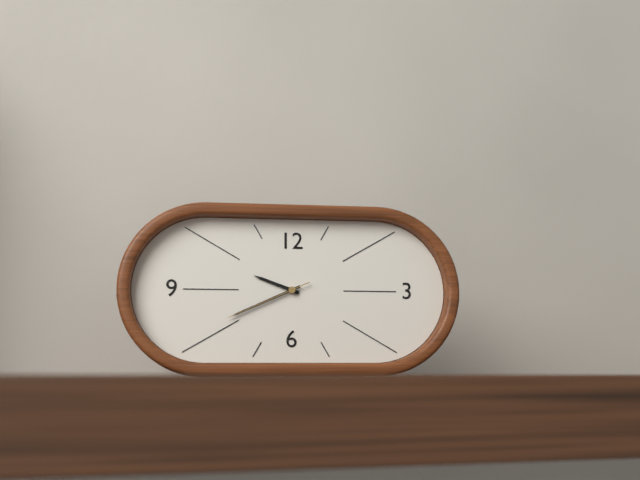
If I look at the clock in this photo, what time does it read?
9:41:41
